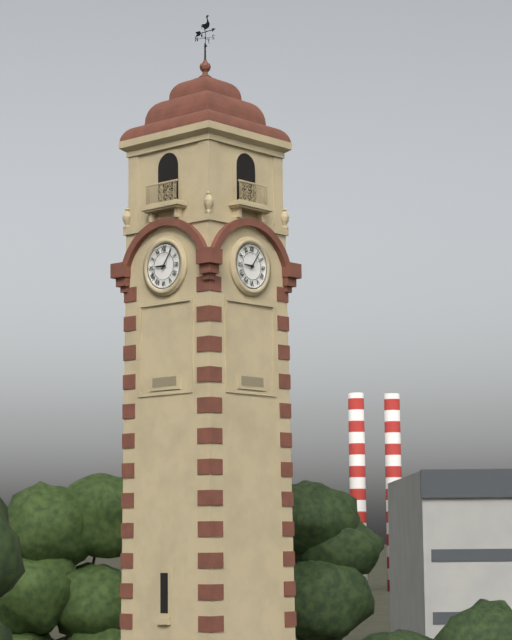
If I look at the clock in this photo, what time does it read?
9:06
